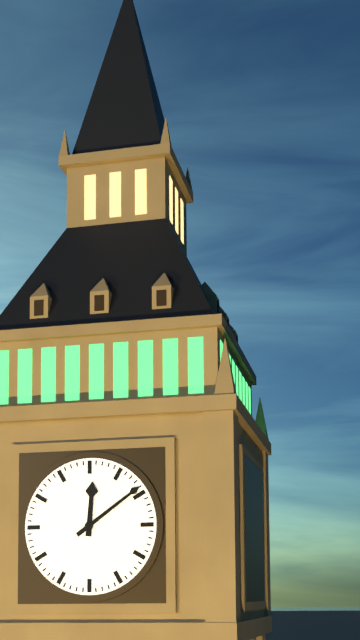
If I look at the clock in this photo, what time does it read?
12:09
